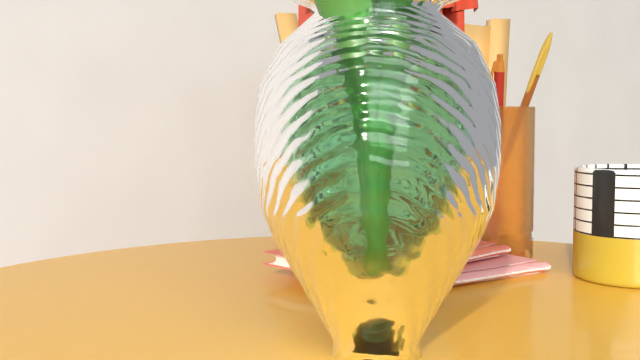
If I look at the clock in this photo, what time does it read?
12:18
